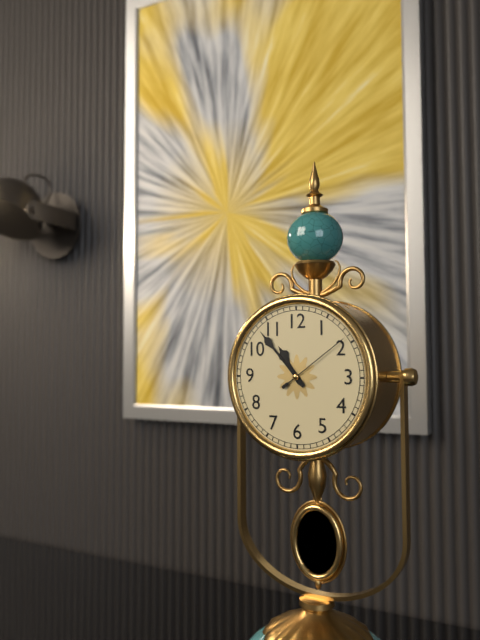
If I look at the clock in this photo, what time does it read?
10:53:09
